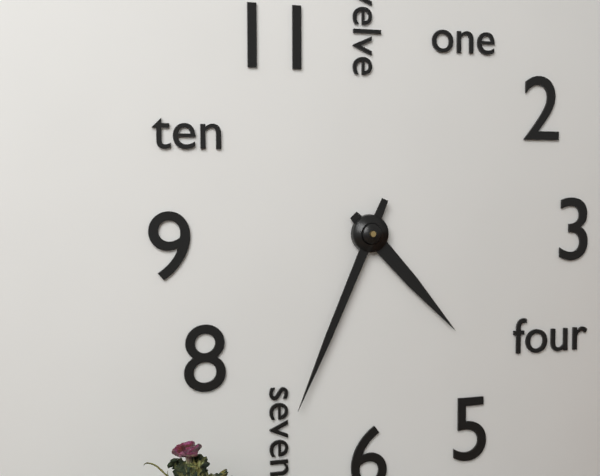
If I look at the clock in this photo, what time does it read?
4:34
